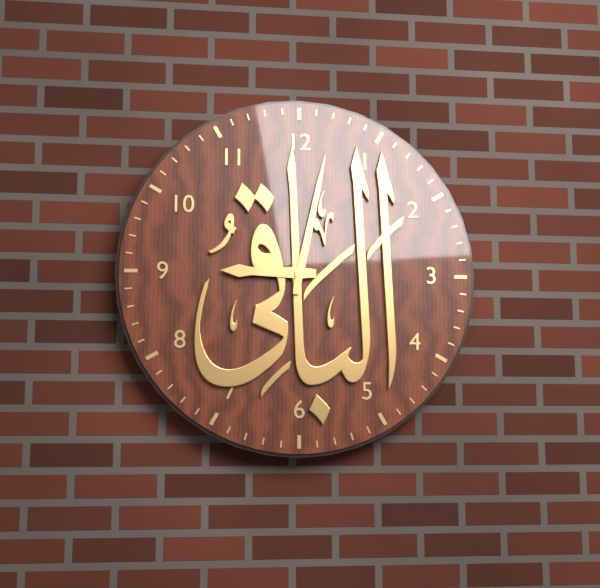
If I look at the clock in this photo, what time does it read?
9:02
